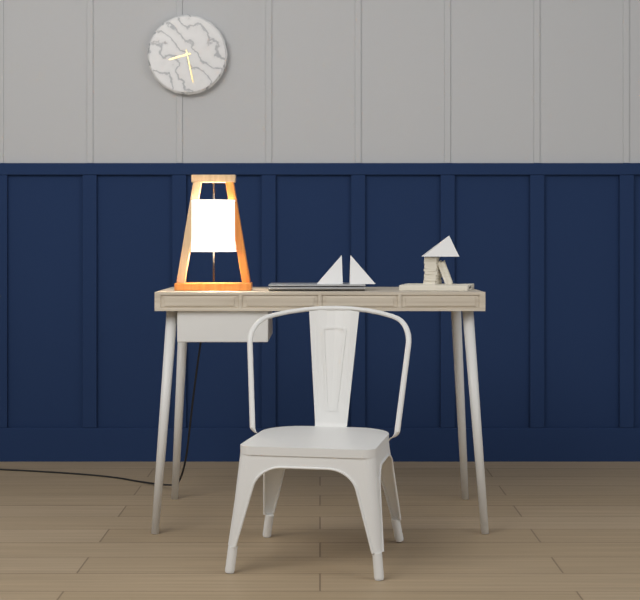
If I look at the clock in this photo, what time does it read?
8:28
